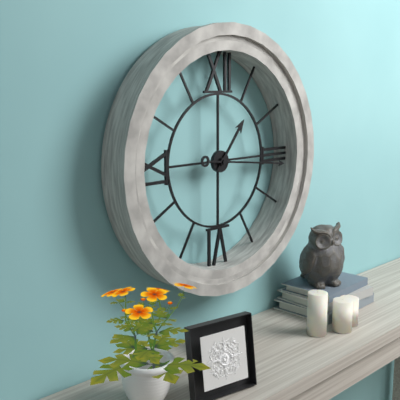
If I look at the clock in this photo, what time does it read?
1:16
